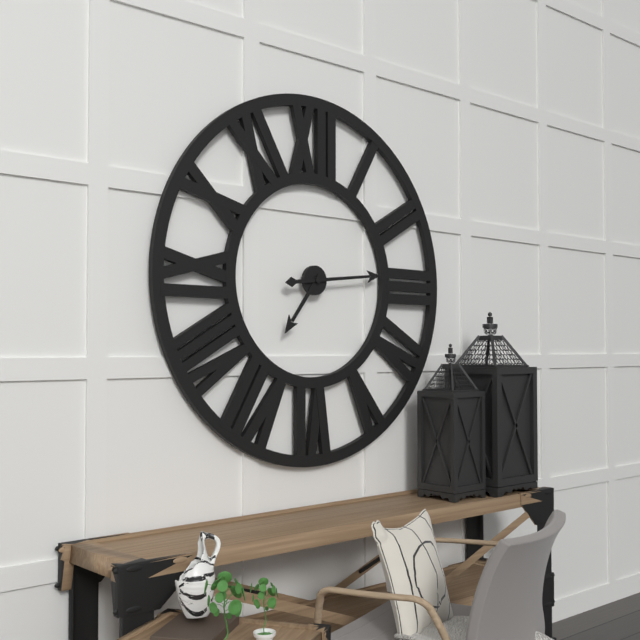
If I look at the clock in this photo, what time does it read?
7:14
